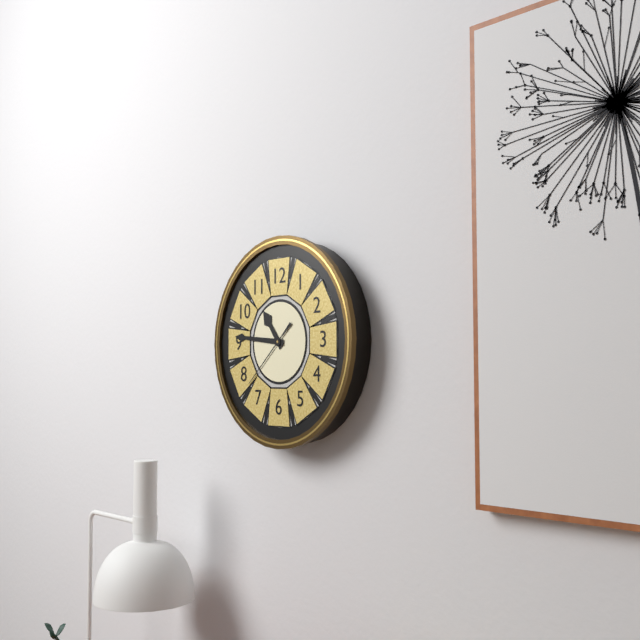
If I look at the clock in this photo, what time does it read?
10:46:38
